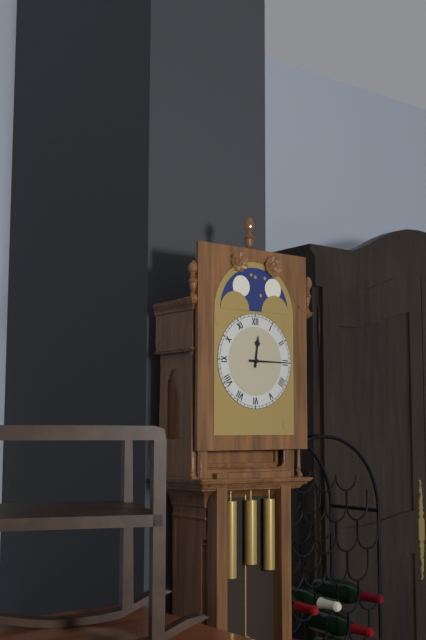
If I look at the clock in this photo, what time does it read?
12:15
